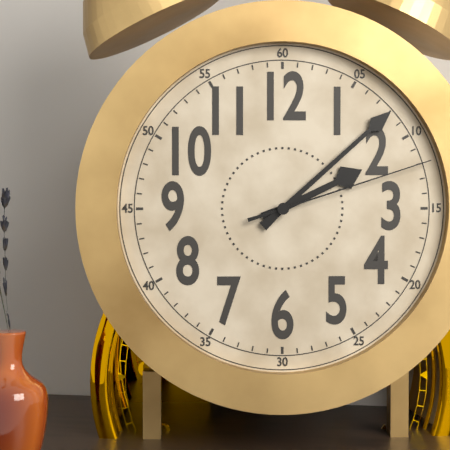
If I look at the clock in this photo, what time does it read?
2:08:12
